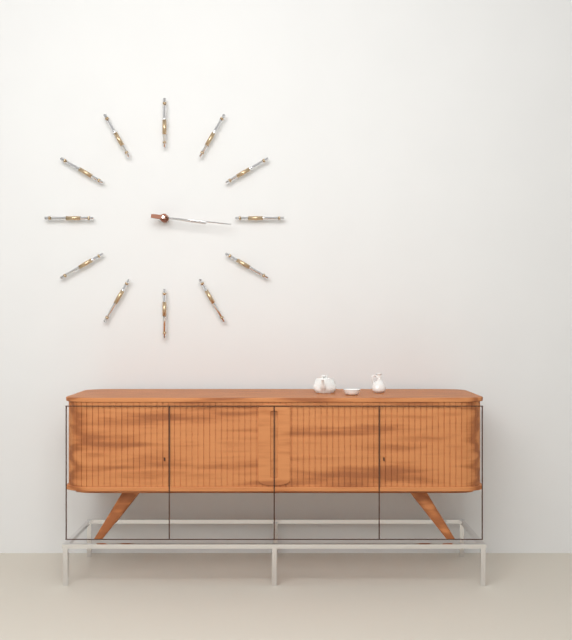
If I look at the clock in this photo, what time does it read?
3:16
